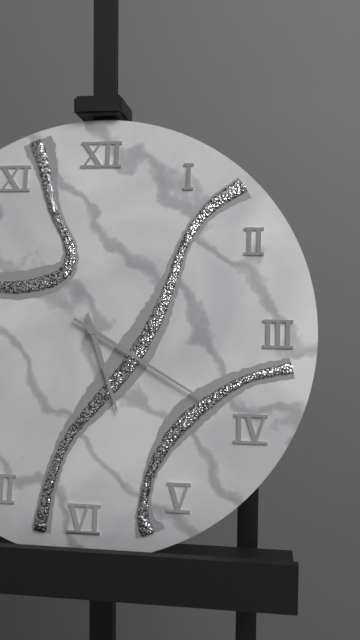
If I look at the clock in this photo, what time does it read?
5:20
